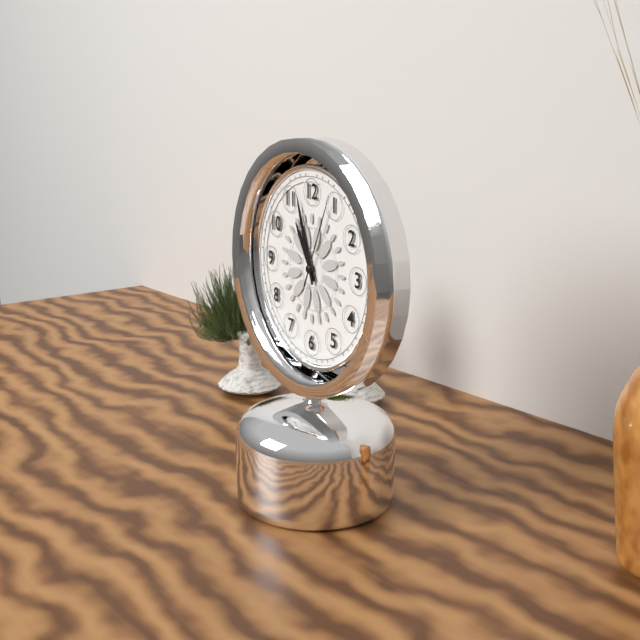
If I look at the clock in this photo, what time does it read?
10:57:04
